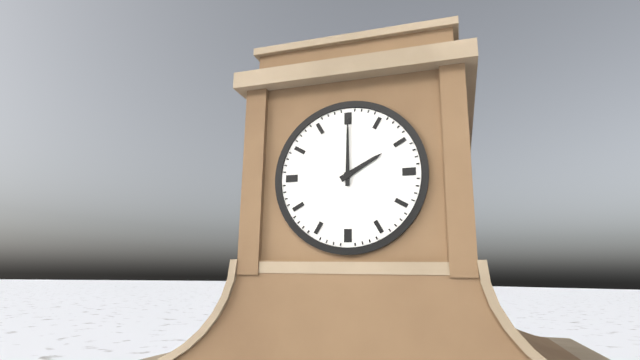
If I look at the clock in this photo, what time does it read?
2:00
